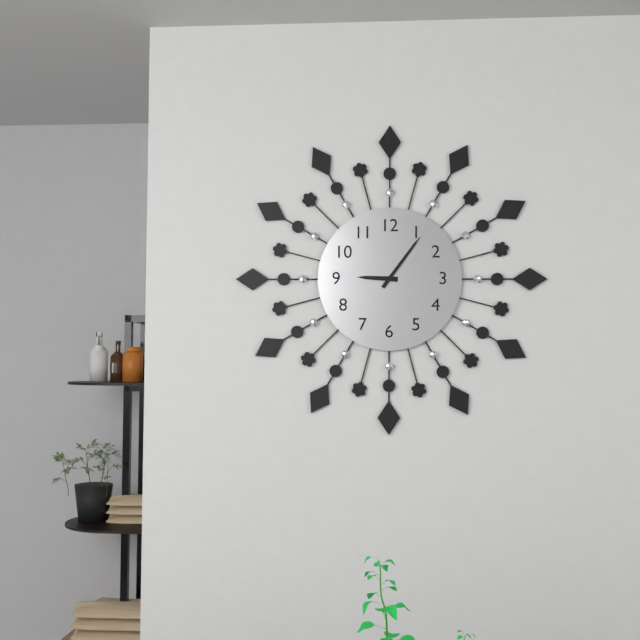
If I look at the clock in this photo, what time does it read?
9:06
